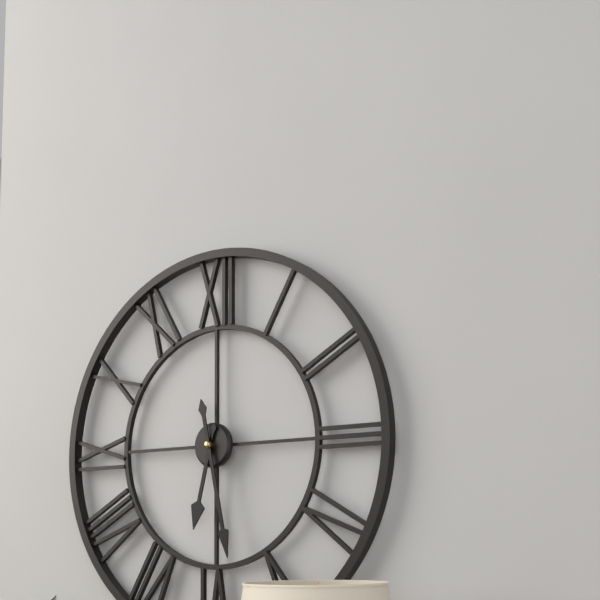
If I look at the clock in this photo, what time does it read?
6:28
